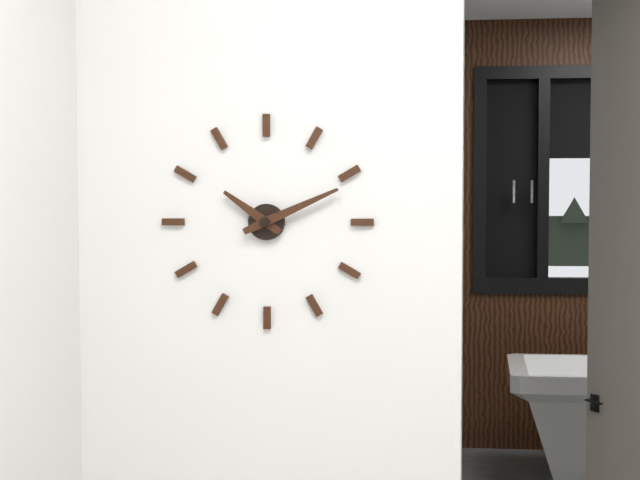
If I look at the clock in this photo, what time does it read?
10:11
